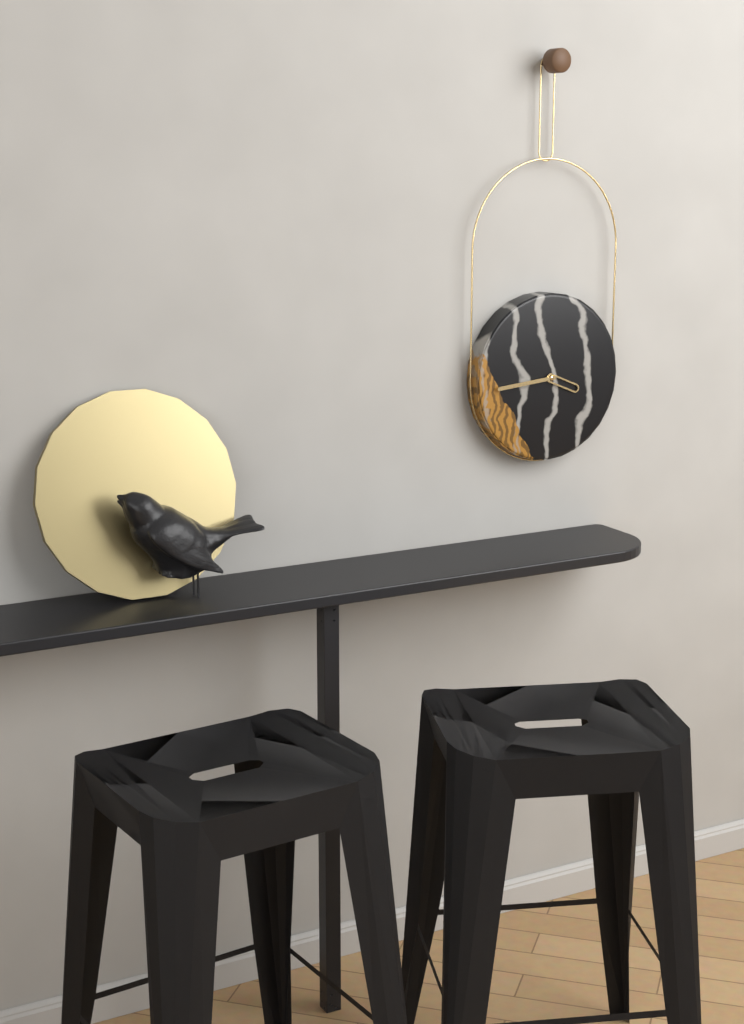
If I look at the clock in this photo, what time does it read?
3:44
